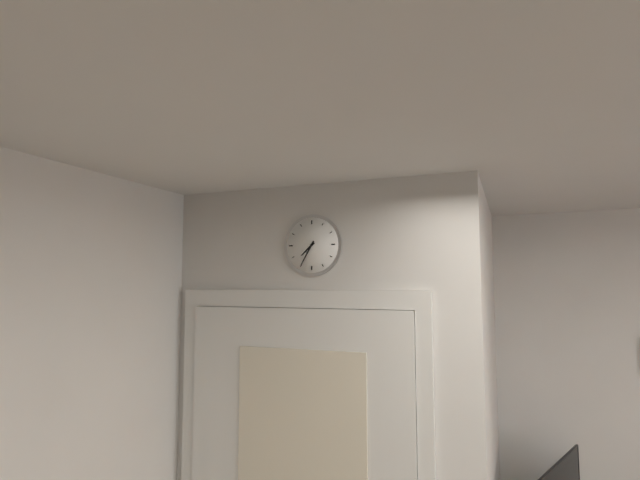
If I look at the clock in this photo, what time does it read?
7:35
